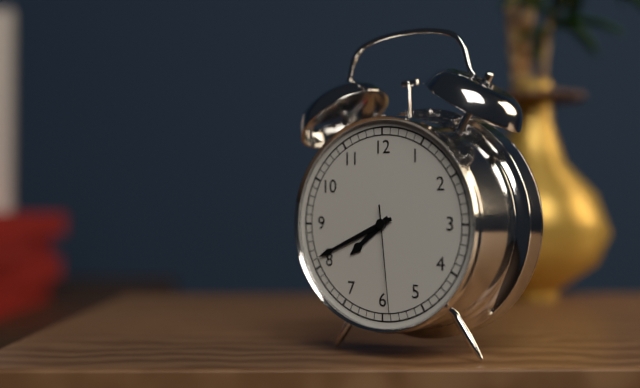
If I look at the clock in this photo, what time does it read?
7:41:29
